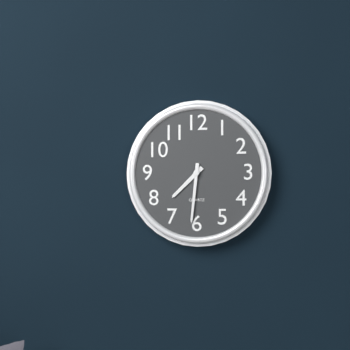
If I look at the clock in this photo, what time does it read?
7:31
